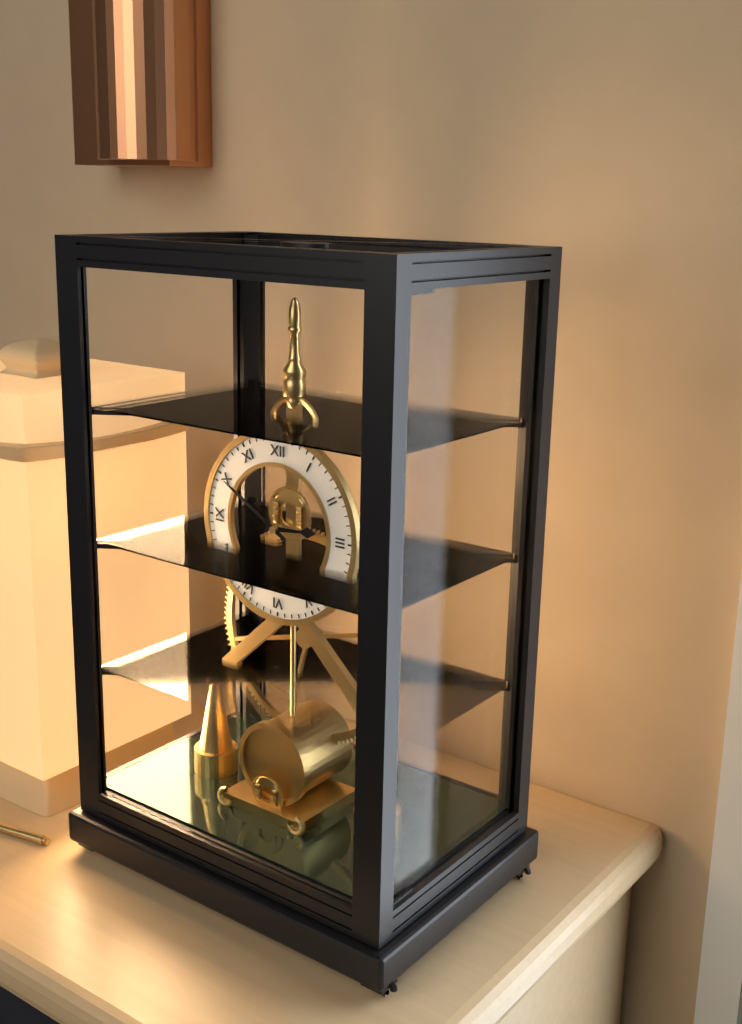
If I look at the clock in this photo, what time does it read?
2:50
